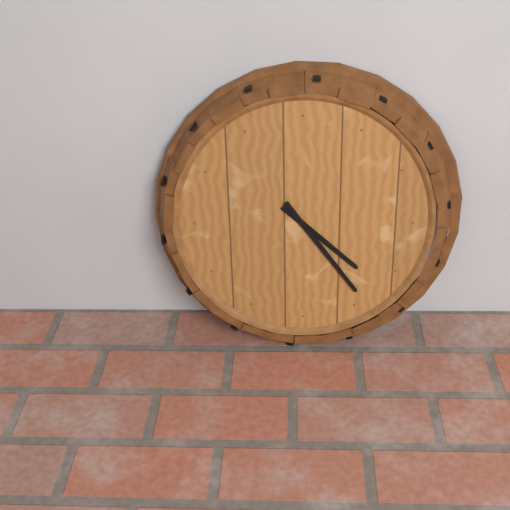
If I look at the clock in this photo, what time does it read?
4:24
